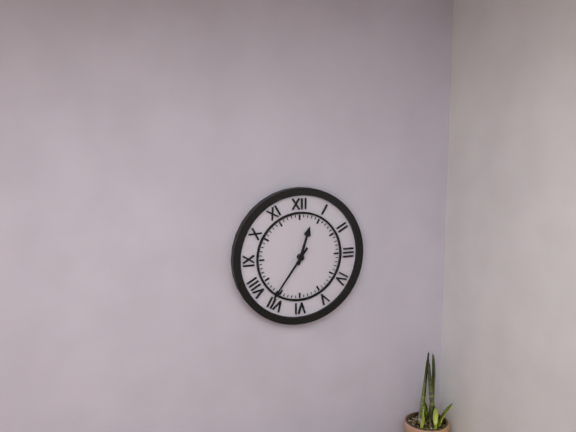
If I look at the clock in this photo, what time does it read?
12:36
